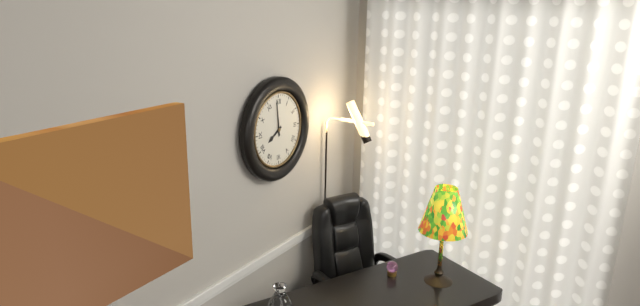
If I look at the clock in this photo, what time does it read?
7:59
